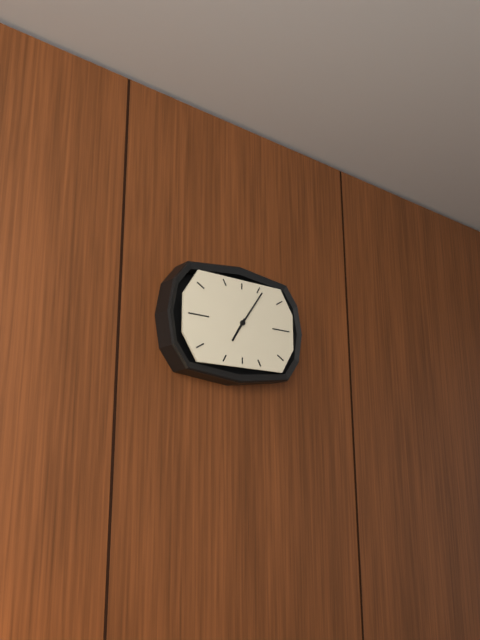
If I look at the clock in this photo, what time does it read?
7:06
